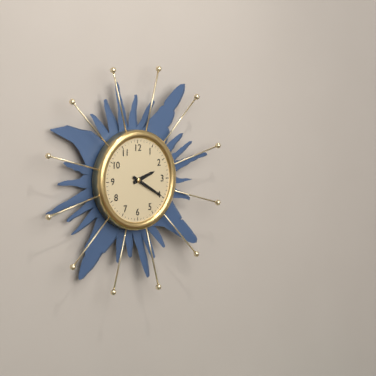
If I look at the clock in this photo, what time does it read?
2:20
